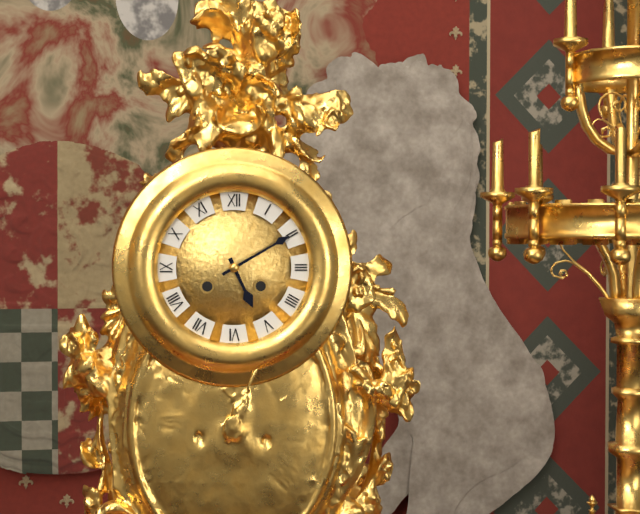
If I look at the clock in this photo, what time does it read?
5:10
